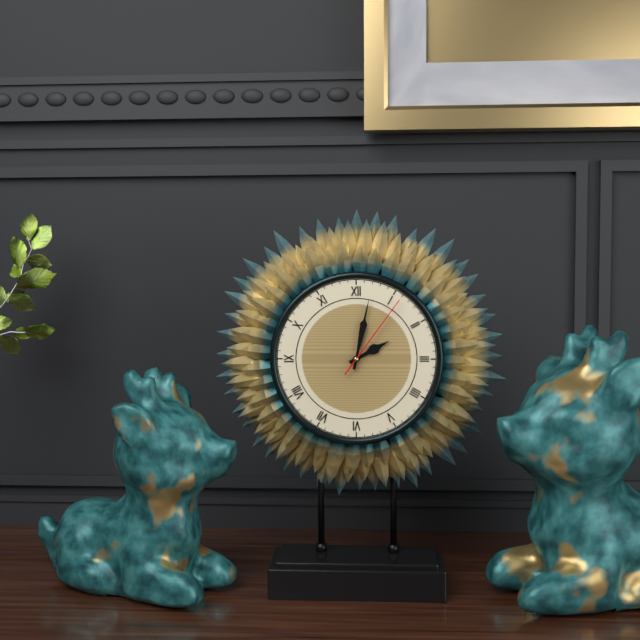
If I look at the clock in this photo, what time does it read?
2:02:06
